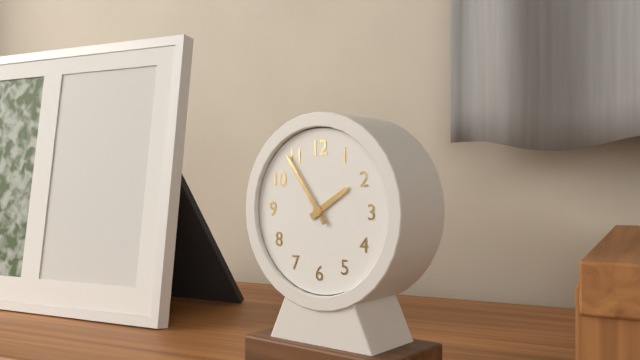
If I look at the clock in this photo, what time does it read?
1:54
